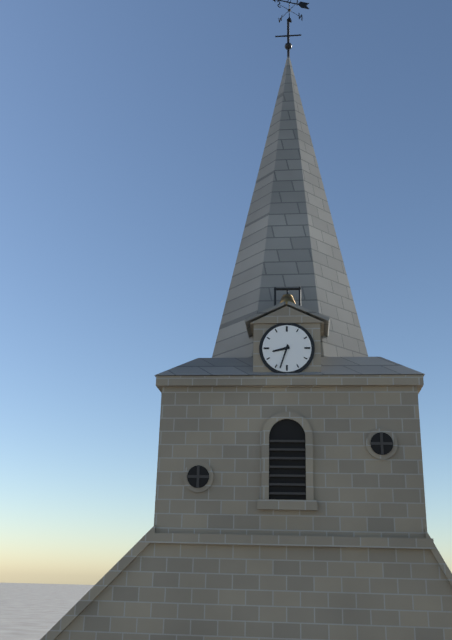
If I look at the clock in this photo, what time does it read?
8:33
